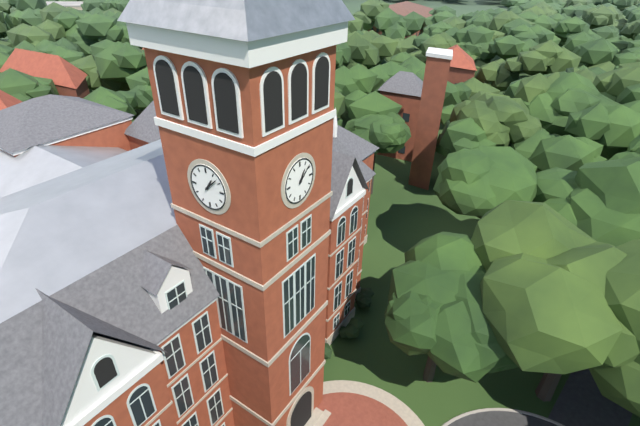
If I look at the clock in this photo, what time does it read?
1:08
